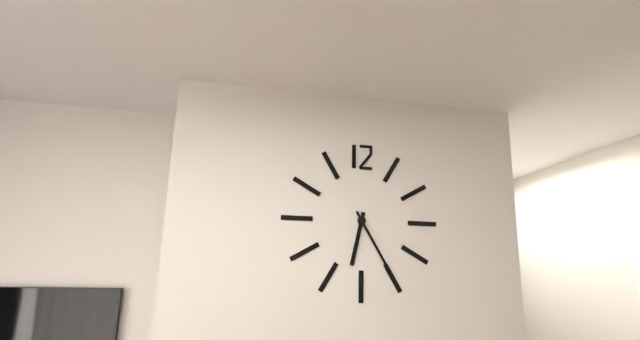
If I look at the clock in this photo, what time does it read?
6:25
